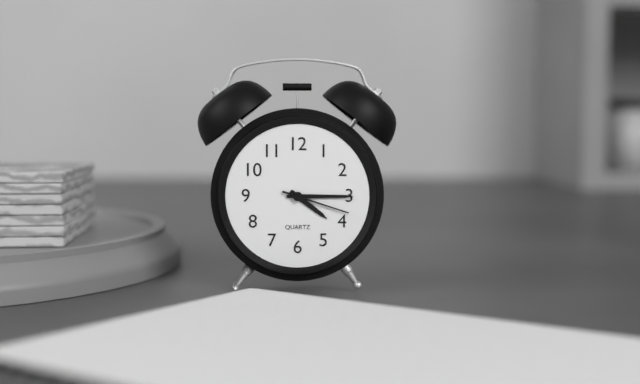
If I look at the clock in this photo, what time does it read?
4:15:18
